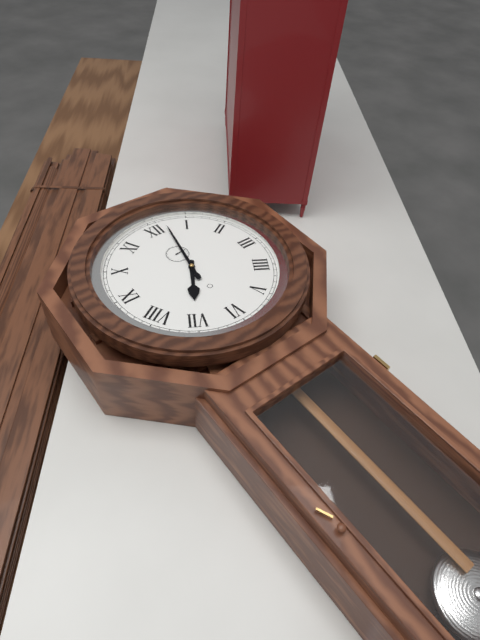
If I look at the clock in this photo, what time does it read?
7:02
